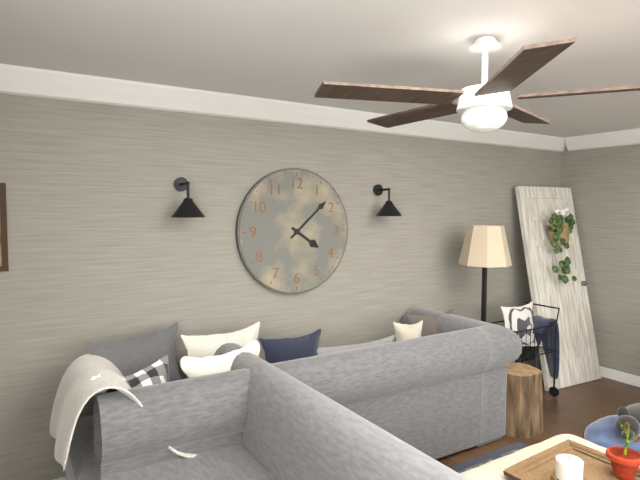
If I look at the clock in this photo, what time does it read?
4:08
